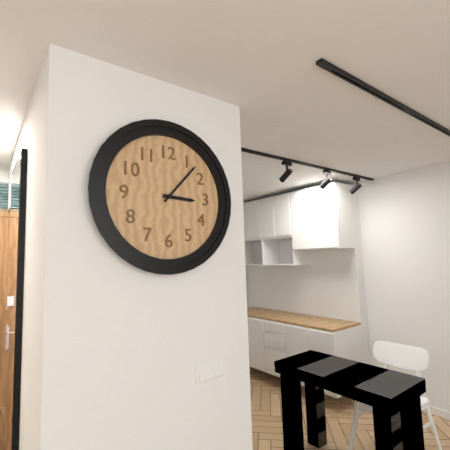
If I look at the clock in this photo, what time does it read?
3:07
